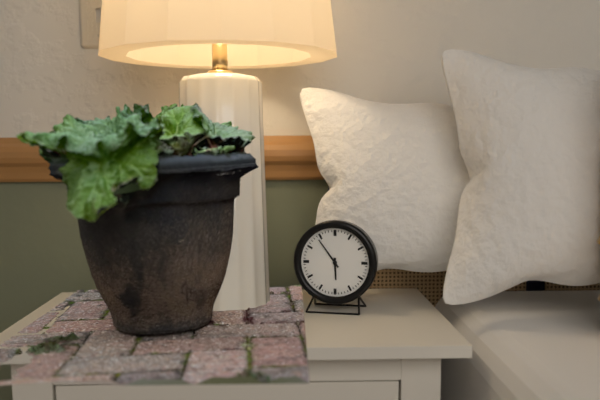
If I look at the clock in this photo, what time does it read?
5:54
